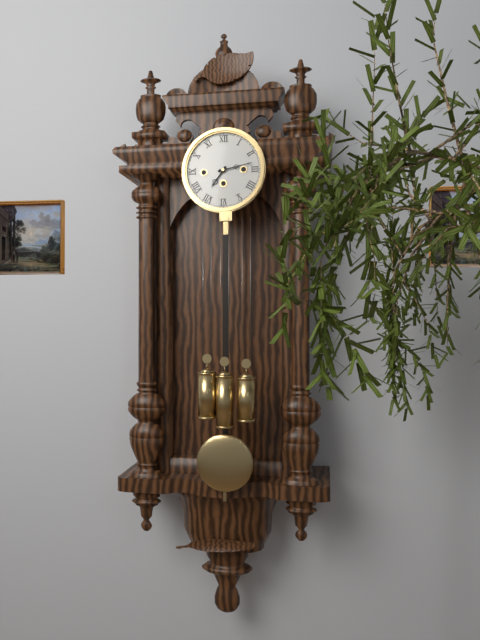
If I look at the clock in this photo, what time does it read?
7:13
